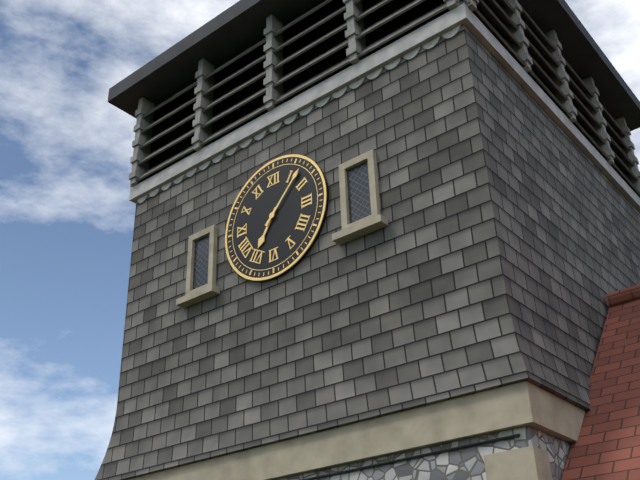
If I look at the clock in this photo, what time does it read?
7:07
